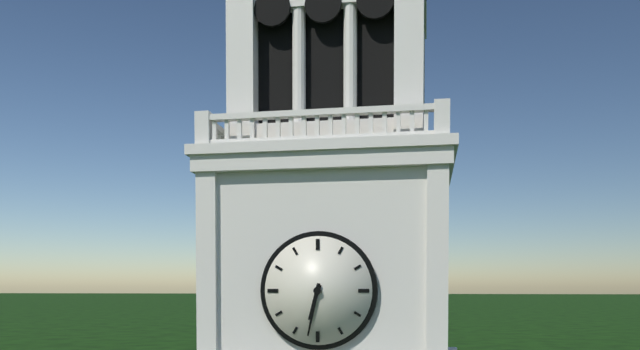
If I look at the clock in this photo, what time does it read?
6:32
